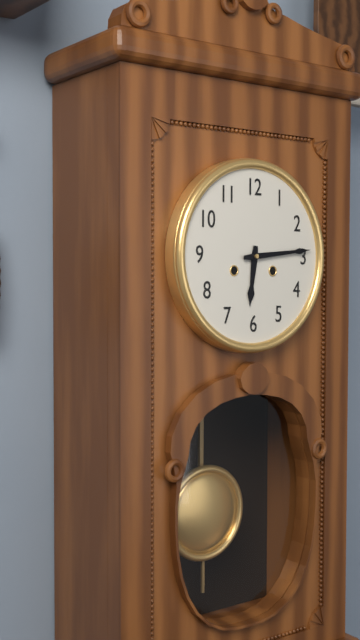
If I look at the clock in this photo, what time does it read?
6:14
